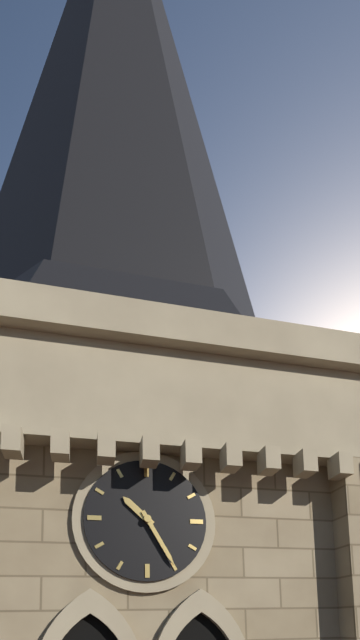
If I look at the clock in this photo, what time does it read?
10:25
